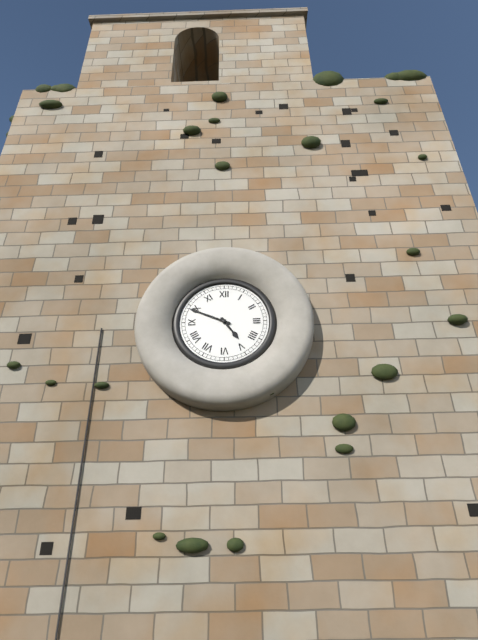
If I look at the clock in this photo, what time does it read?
4:49
